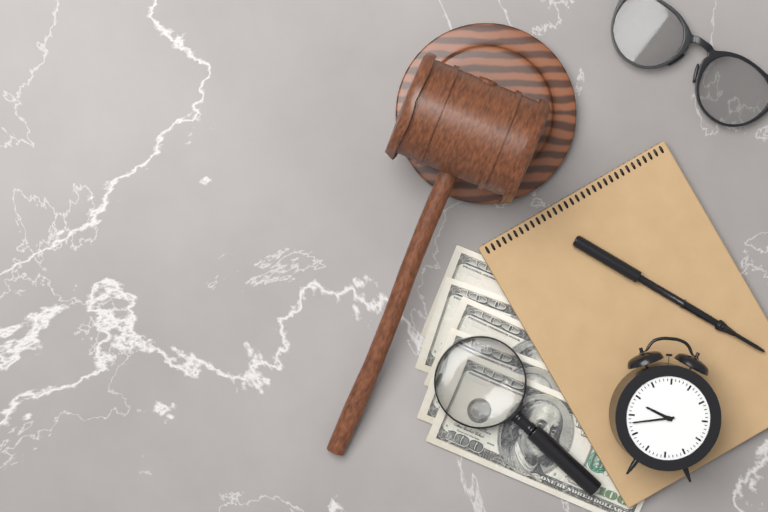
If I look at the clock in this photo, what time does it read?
9:43
